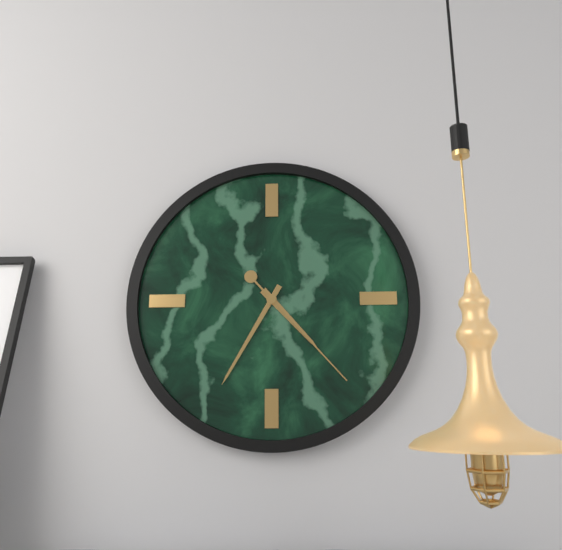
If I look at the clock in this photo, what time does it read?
4:35:23
